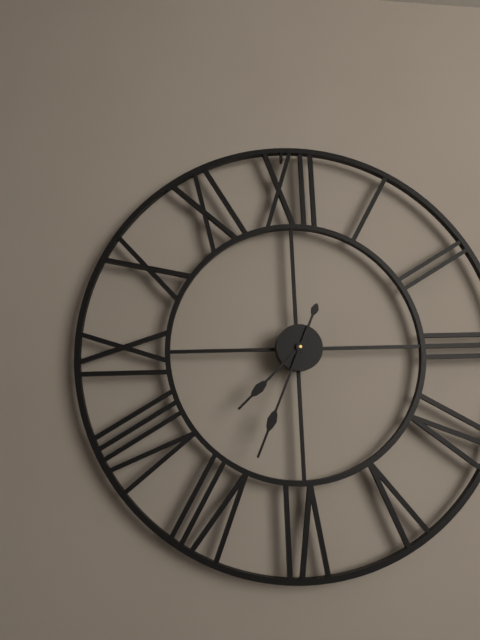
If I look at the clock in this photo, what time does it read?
7:34
